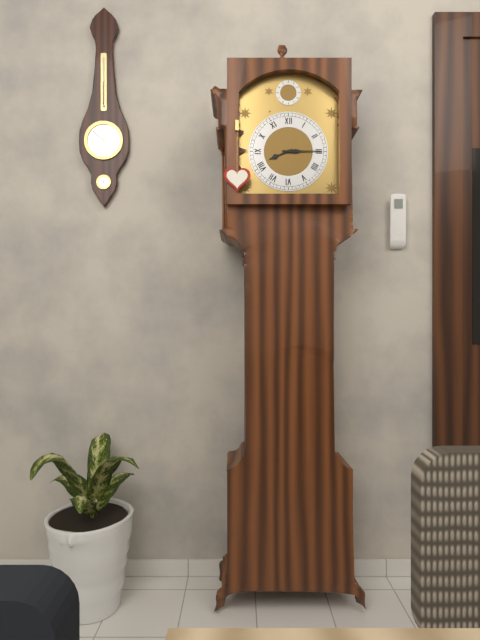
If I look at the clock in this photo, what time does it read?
8:15
